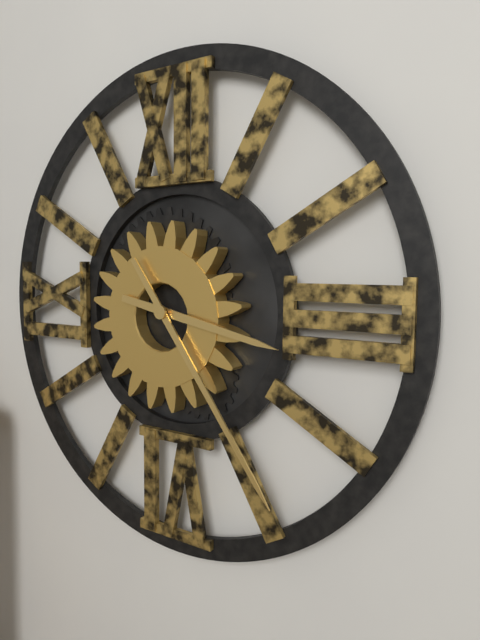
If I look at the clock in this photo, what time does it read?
3:24
